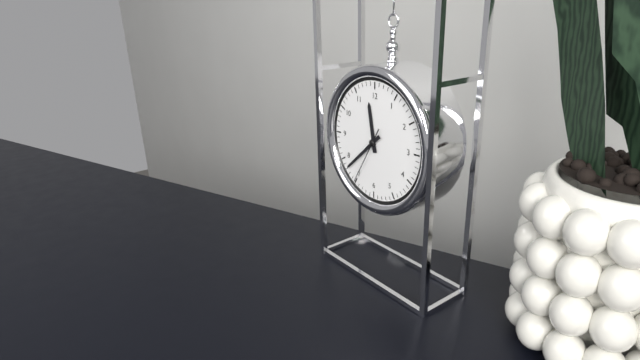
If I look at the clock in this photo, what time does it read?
11:38:35
